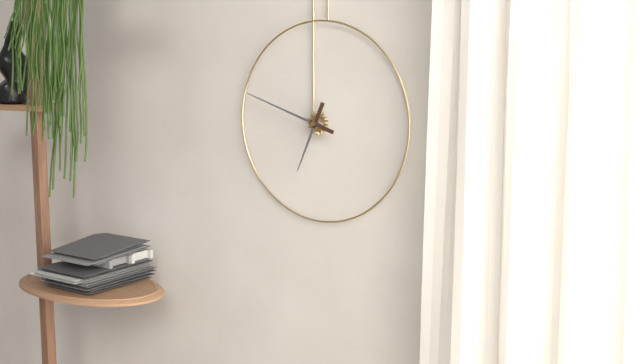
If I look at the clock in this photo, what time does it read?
6:48
